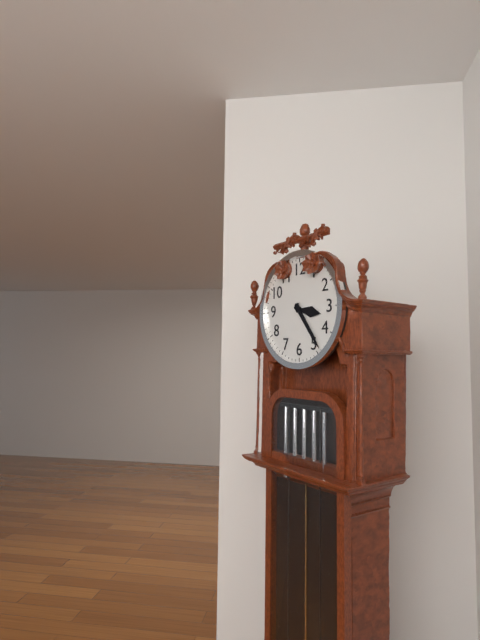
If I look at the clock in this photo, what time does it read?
3:24
